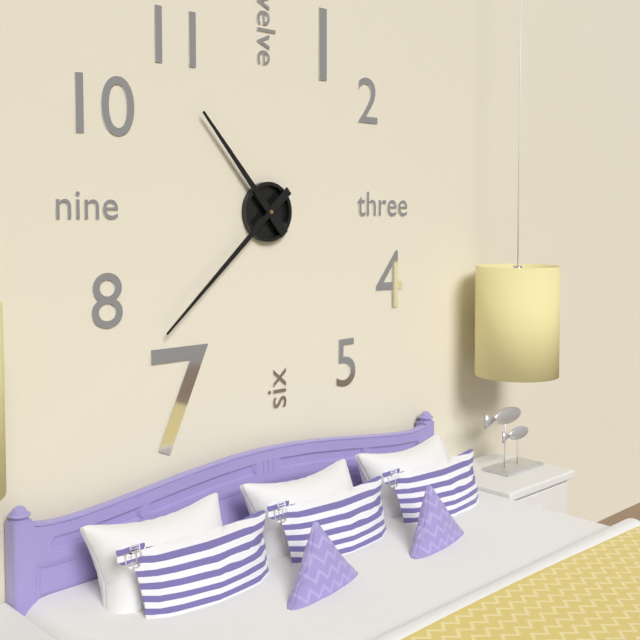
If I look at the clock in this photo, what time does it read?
10:38
